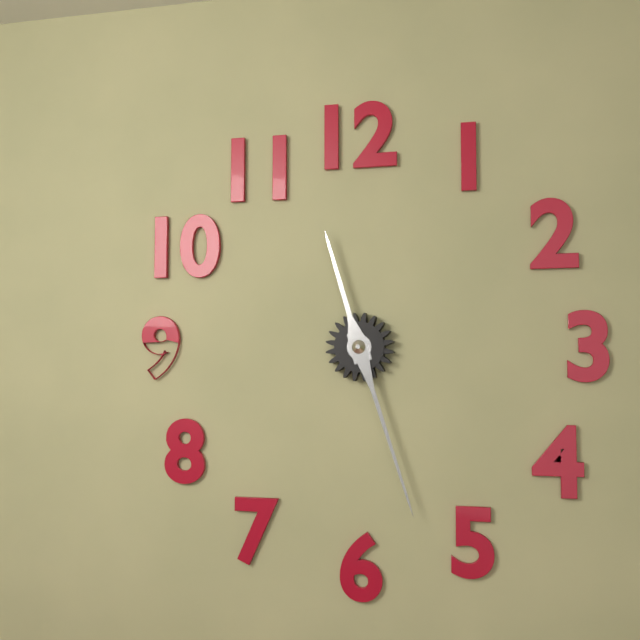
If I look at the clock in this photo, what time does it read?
11:27
